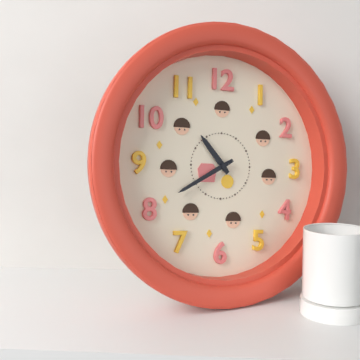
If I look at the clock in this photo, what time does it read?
10:40
